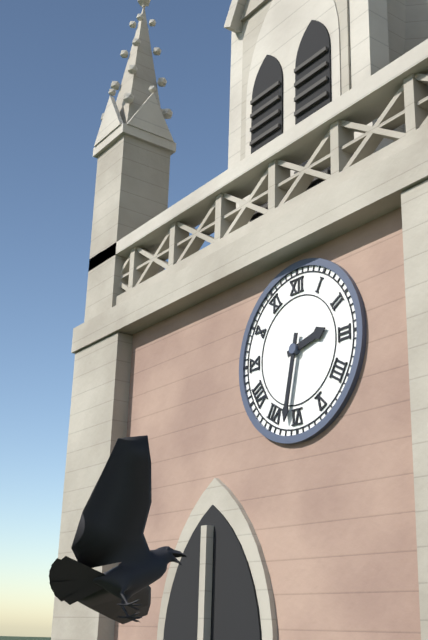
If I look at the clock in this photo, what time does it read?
2:32
